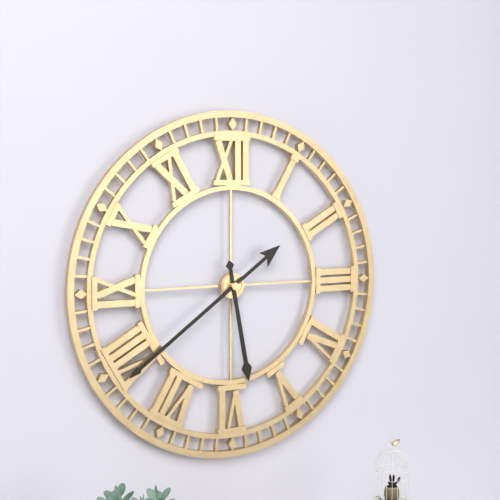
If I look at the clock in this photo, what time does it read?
5:39
